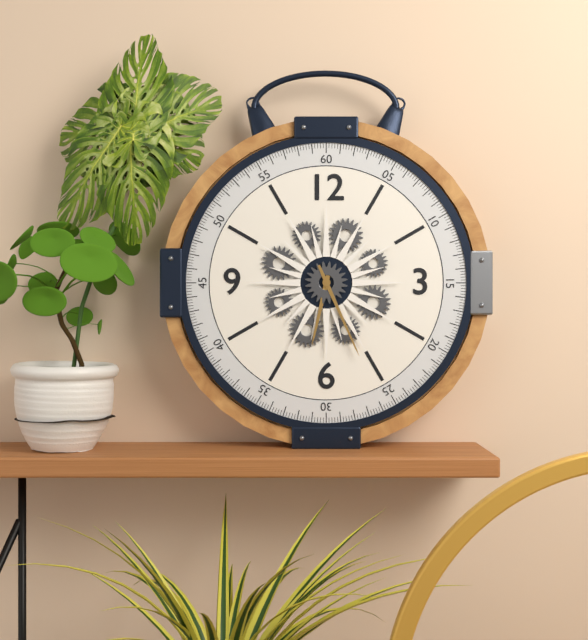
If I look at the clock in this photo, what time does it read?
6:26
